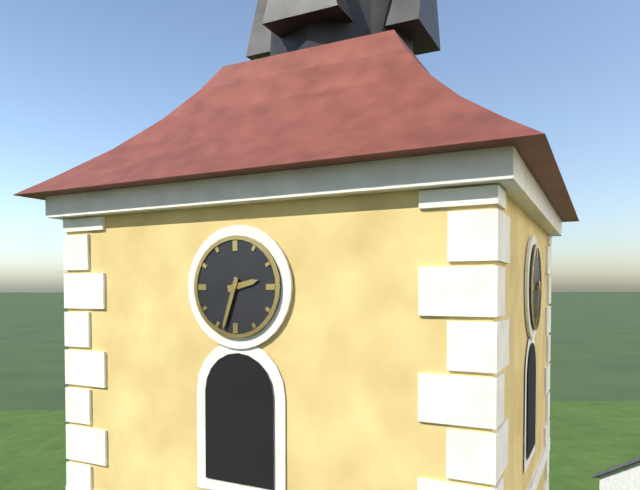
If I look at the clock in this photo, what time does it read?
2:33
